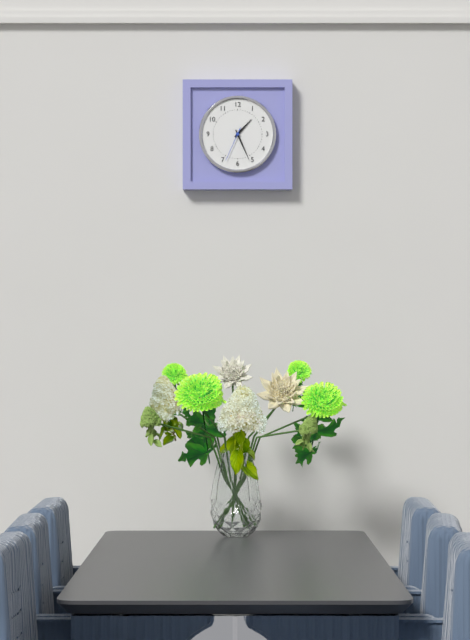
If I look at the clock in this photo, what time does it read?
1:26
